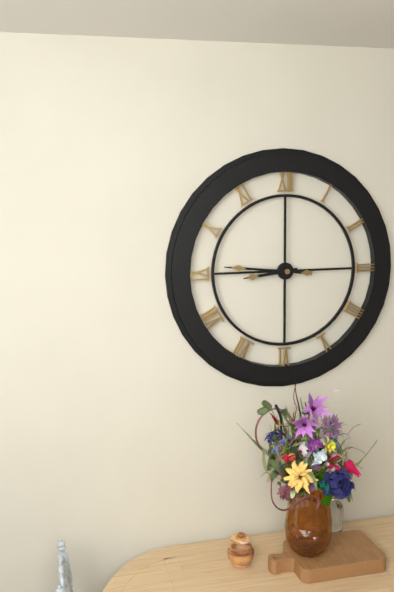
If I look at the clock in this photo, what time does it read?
8:46
